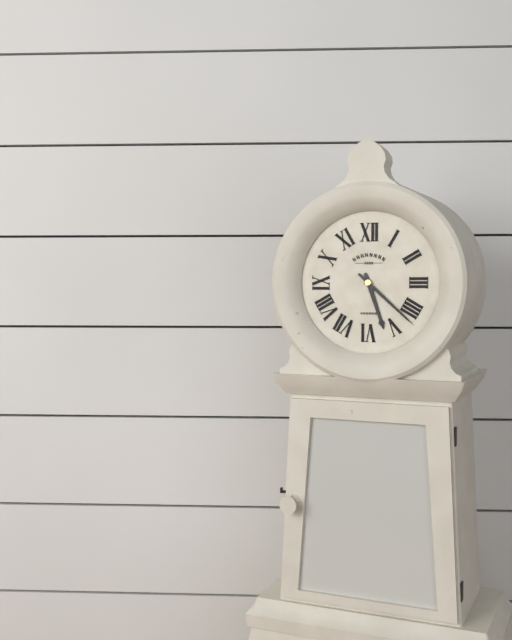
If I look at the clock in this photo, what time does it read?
5:22
